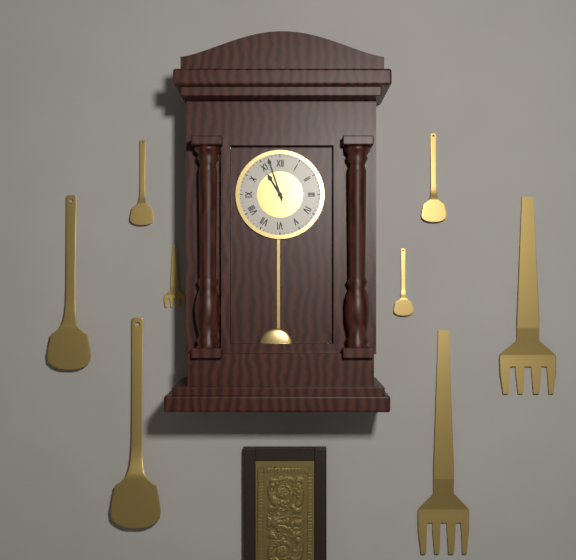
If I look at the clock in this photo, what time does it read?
10:57
